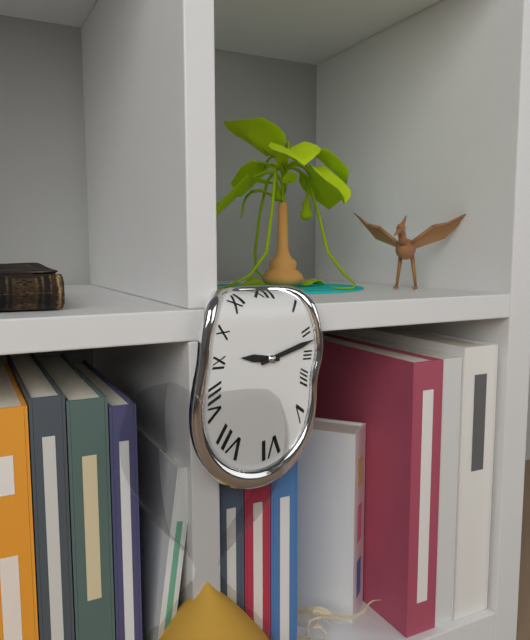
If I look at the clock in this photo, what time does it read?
9:12
